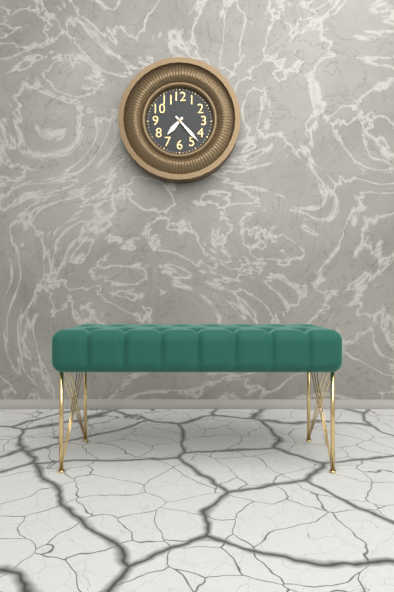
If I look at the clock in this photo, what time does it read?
7:23
